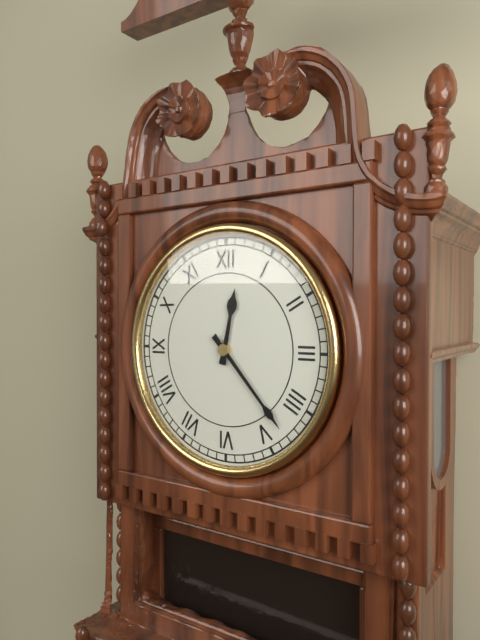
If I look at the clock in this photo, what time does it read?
12:23
